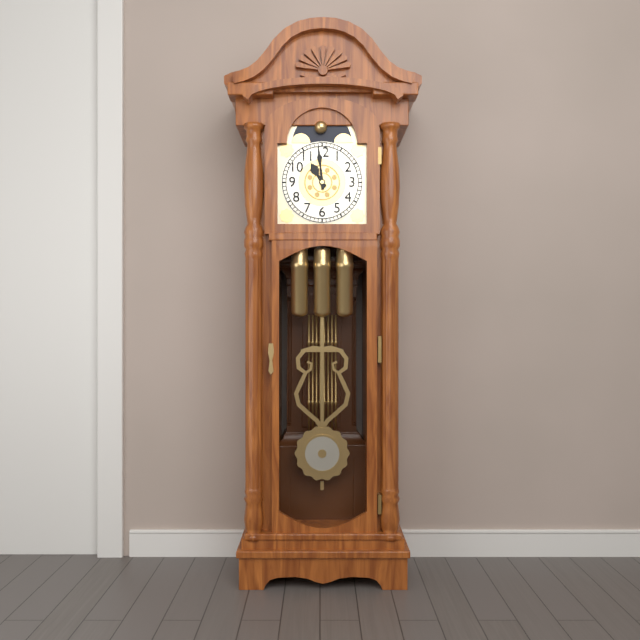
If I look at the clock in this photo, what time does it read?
10:59
